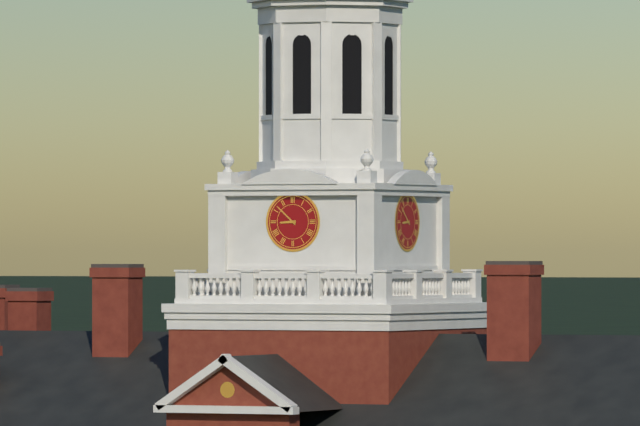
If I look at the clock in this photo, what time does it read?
8:52
